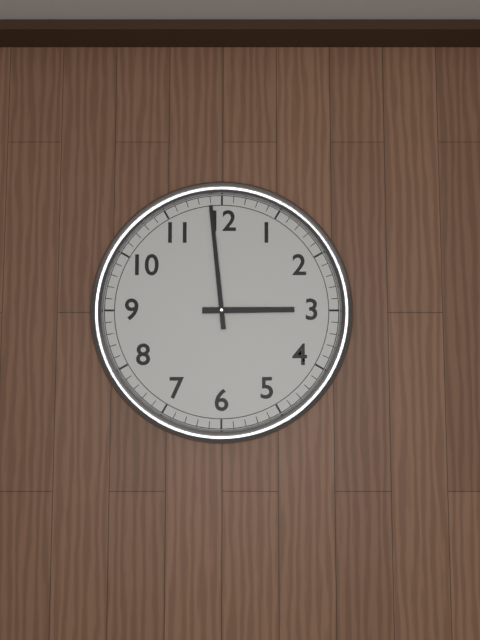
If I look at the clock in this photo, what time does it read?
2:59
